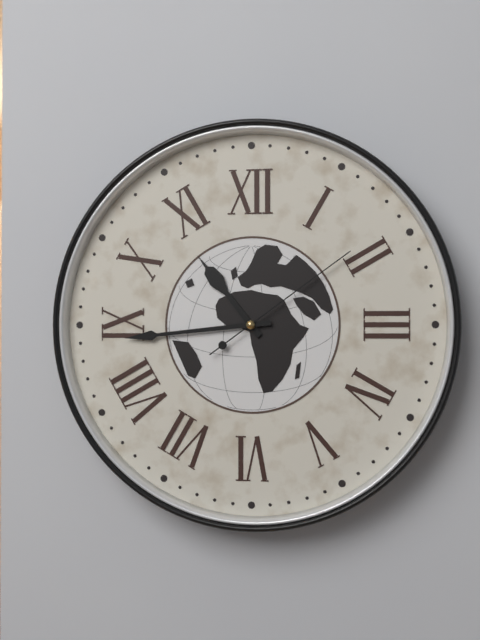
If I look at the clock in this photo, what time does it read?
10:44:09
